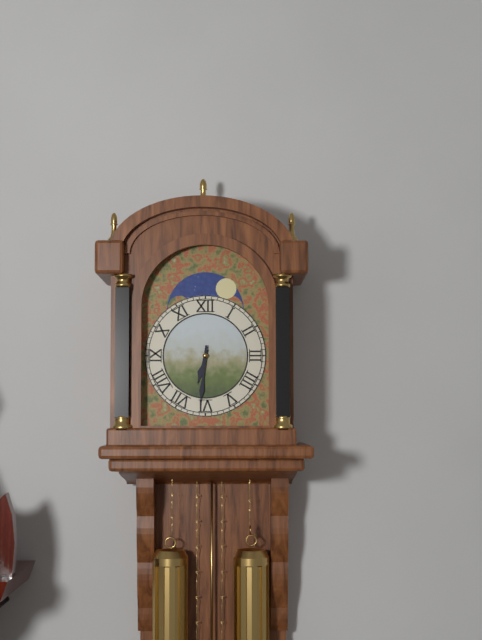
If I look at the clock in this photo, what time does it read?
6:31
